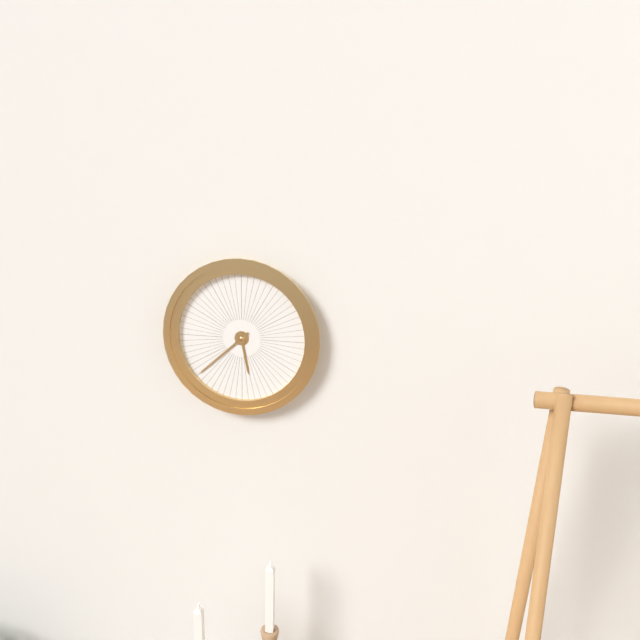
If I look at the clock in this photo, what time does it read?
5:38
